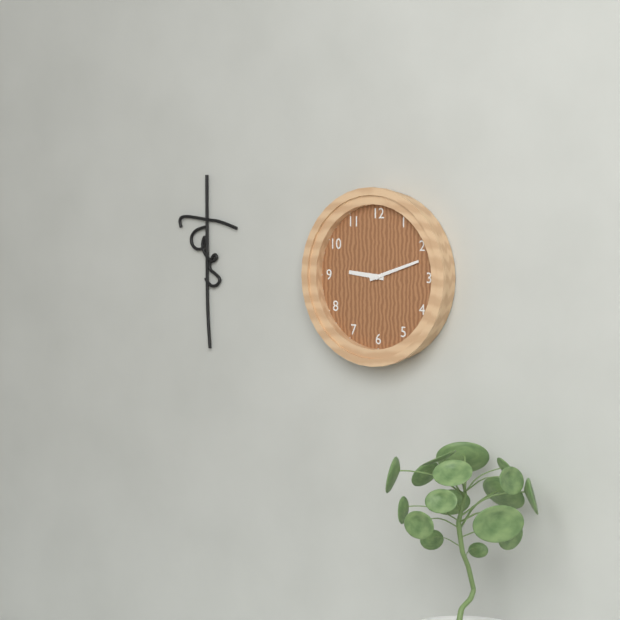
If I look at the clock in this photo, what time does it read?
9:12
